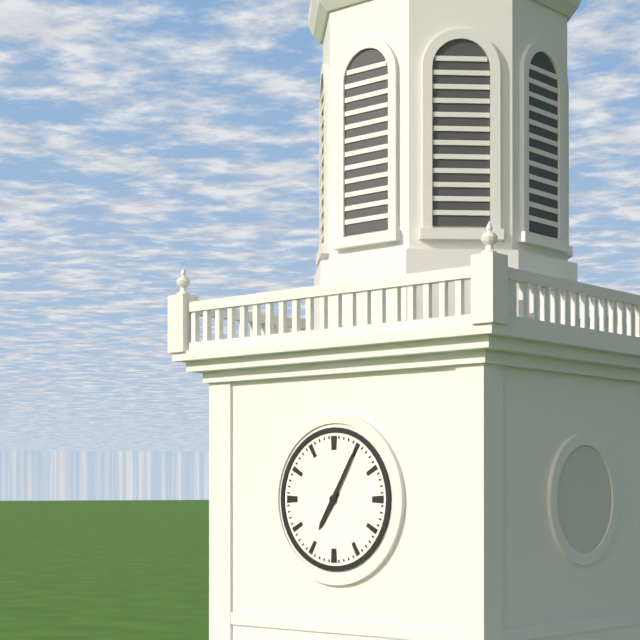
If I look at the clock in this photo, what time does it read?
7:05
